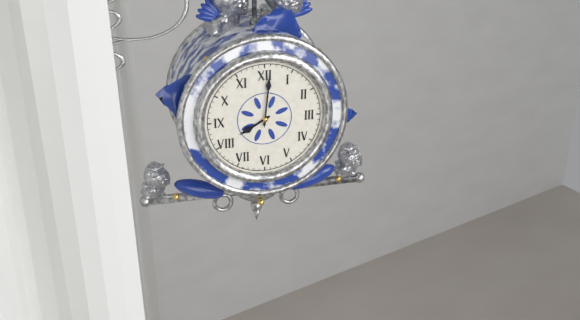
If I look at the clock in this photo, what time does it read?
8:01
